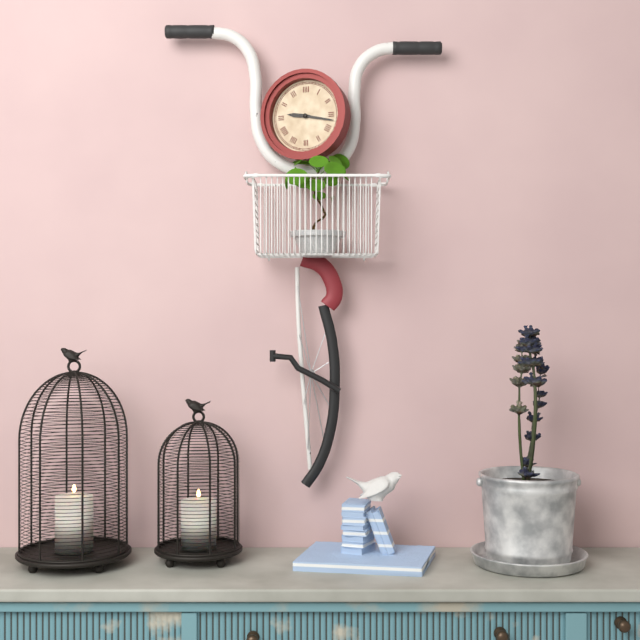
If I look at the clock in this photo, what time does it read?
9:17
